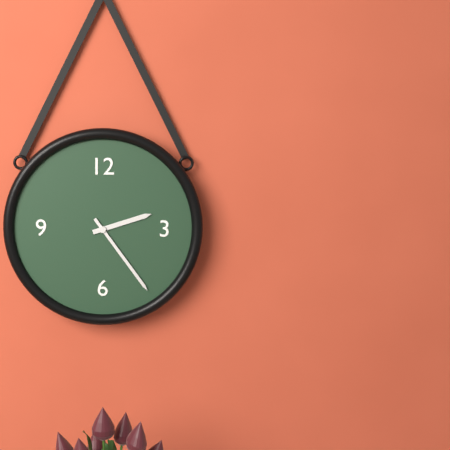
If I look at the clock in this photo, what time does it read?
2:24
